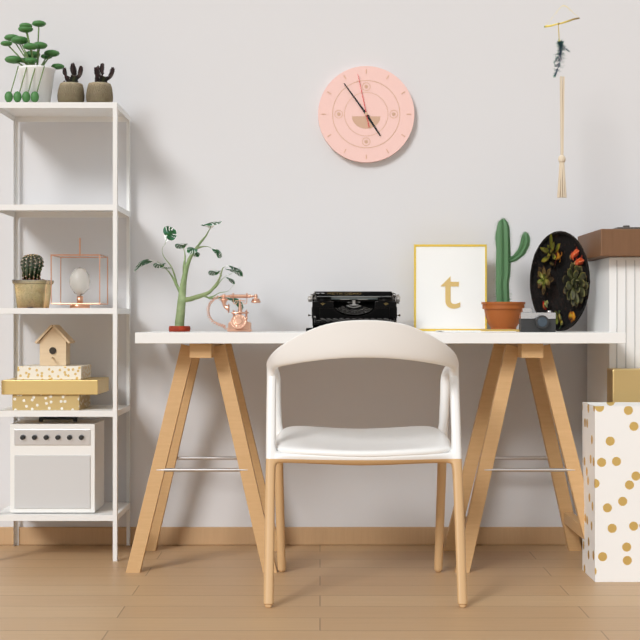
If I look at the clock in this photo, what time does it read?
4:54:58
